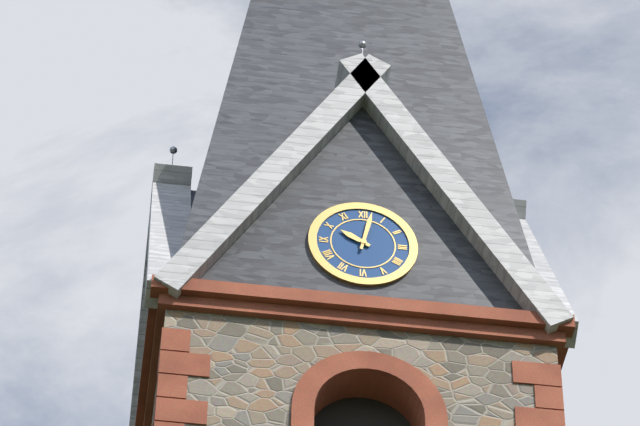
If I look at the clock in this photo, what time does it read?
10:02
